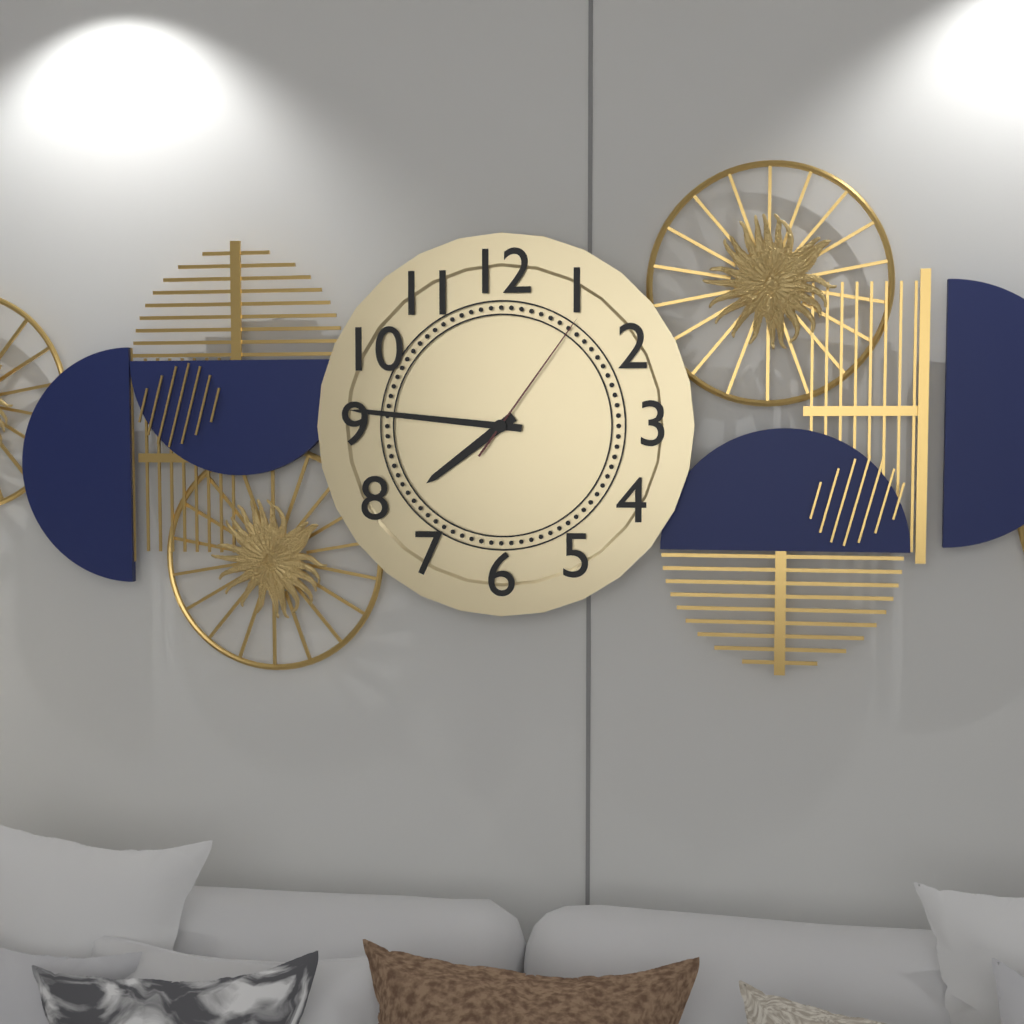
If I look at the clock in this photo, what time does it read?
7:46:06
